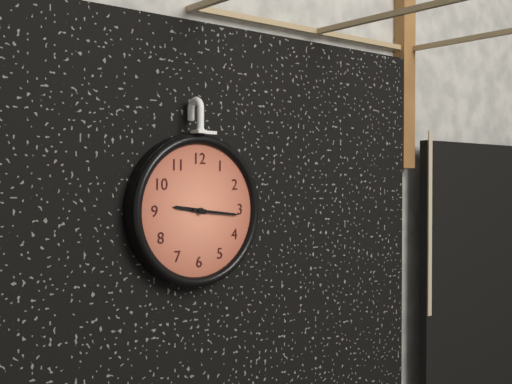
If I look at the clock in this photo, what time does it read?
9:16
